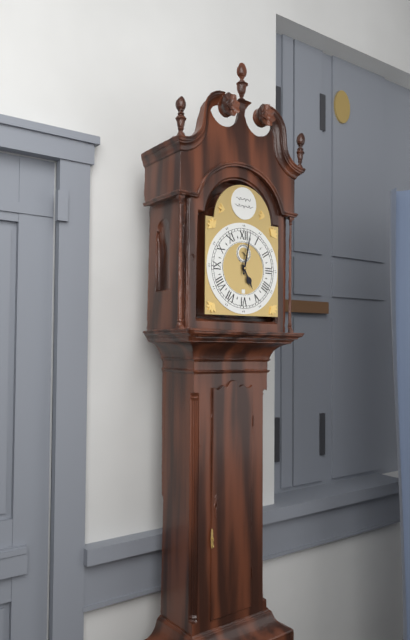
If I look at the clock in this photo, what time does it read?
5:02
